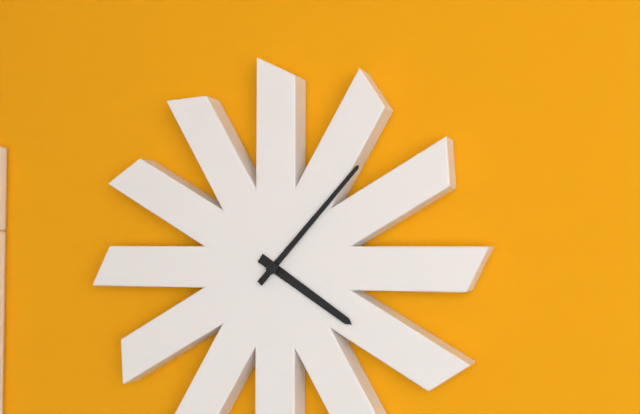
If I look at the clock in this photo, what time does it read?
4:07
